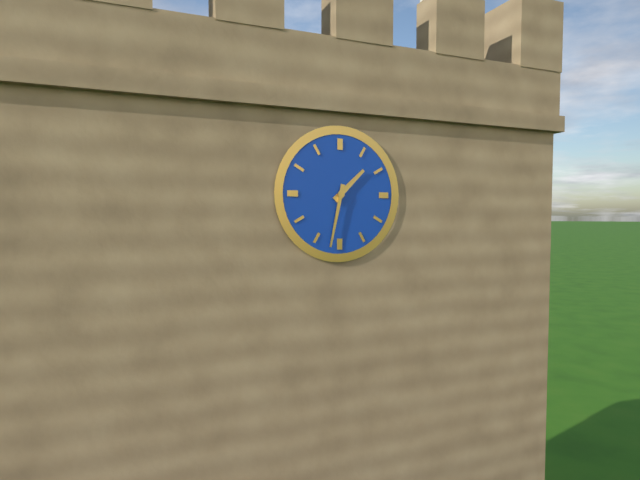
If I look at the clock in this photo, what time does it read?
1:32
